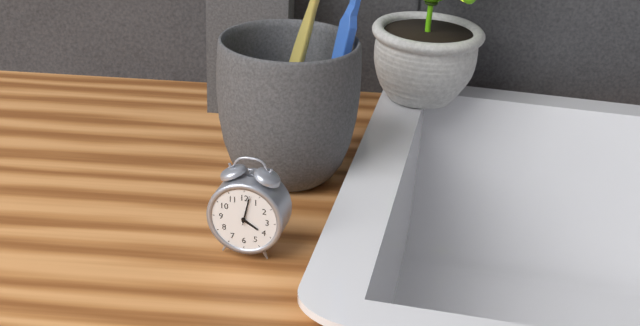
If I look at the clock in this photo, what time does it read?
4:02
